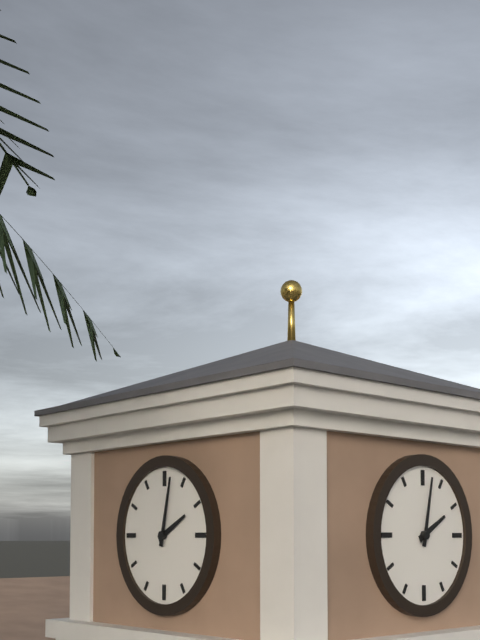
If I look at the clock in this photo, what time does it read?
2:02
